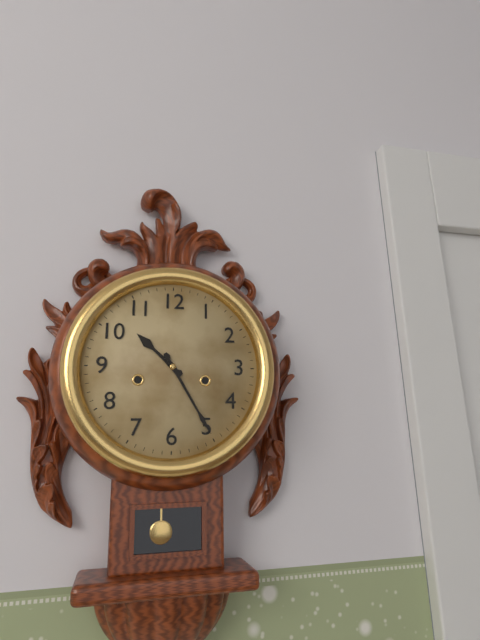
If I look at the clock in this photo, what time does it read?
10:25
